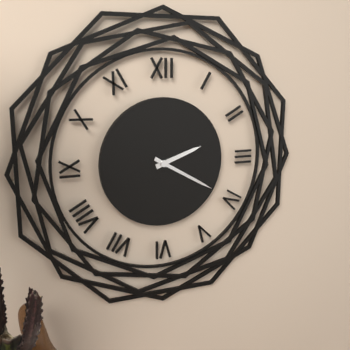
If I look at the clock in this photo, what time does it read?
2:20
